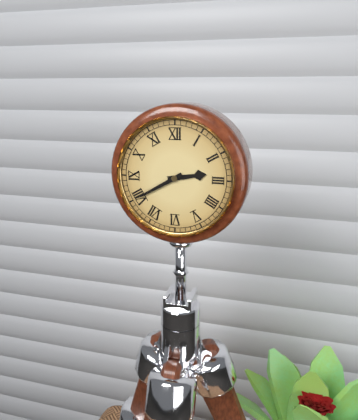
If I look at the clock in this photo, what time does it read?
2:40
